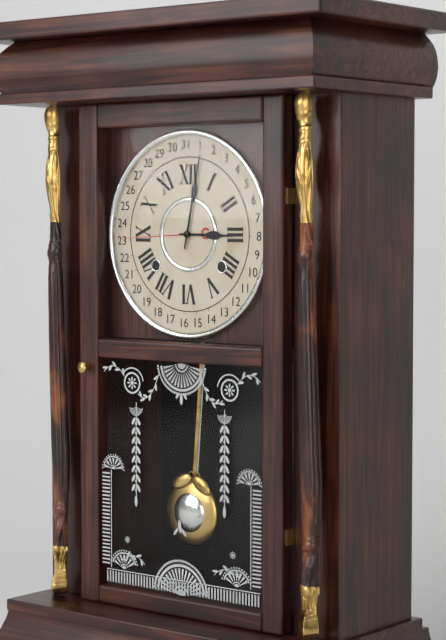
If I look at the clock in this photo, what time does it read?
3:02
